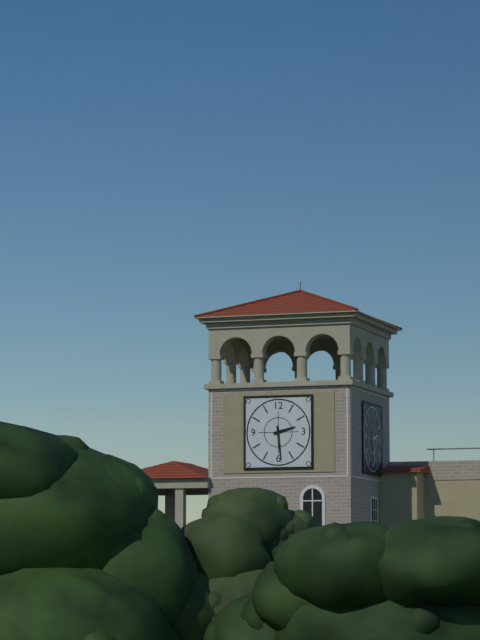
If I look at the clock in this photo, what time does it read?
2:29
